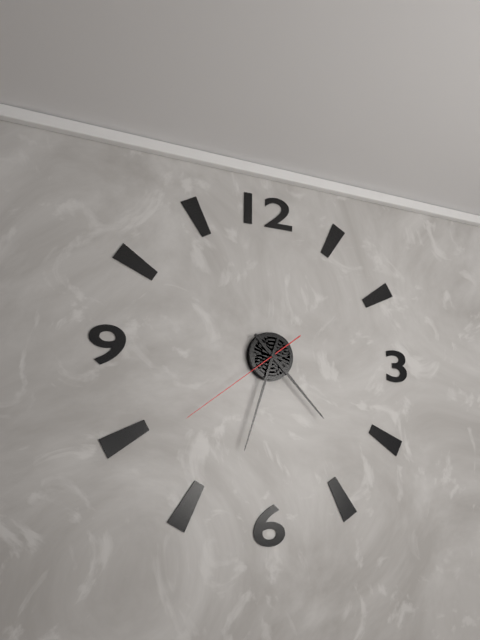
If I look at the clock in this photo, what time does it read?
4:33:39
